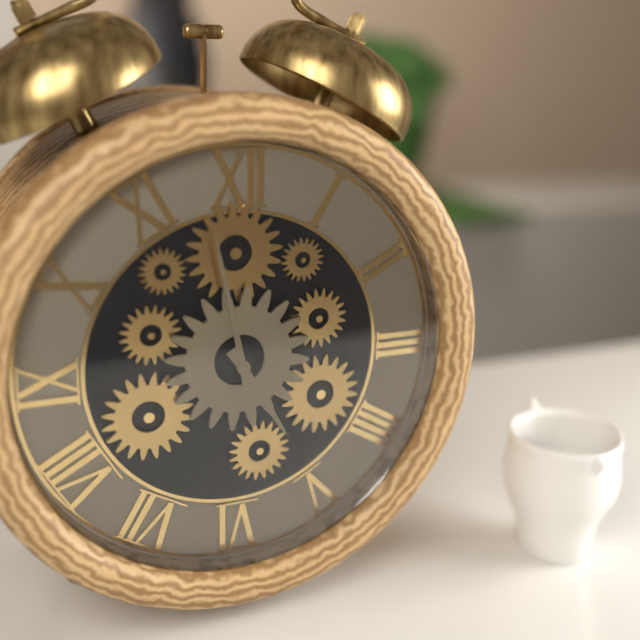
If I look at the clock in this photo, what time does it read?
4:58
